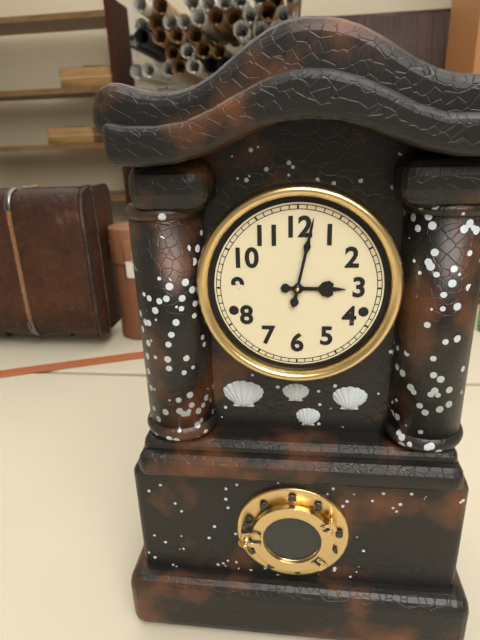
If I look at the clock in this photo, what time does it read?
3:02
